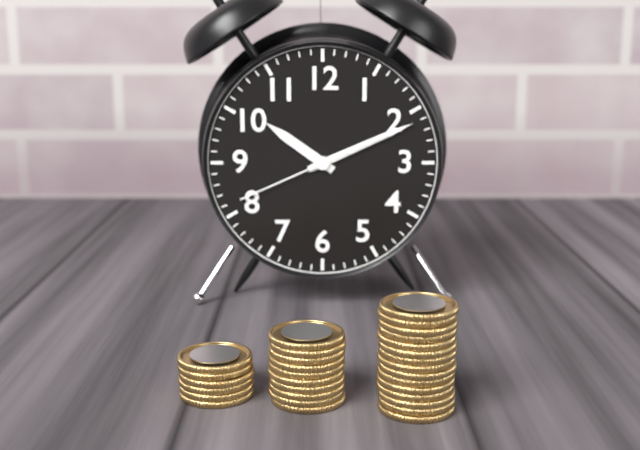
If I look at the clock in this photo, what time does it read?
10:11:41
